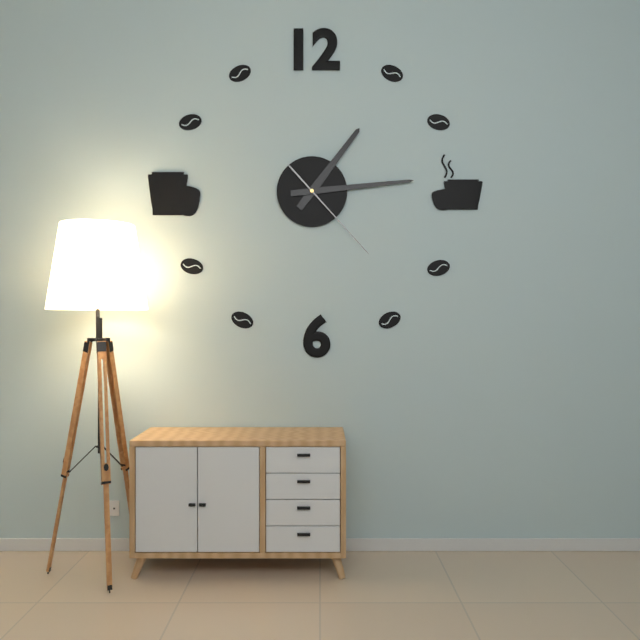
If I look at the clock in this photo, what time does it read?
1:14:23
